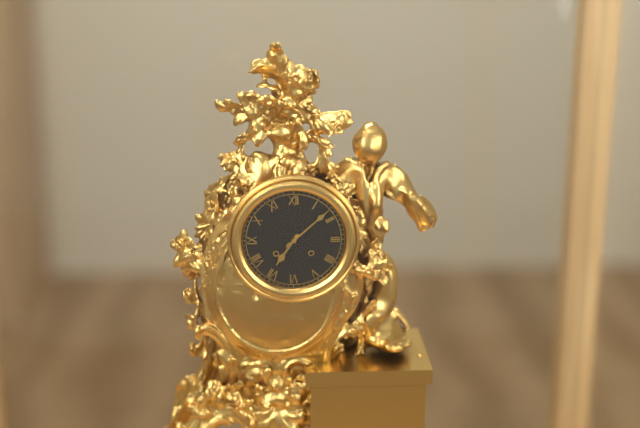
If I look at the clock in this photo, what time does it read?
7:08
